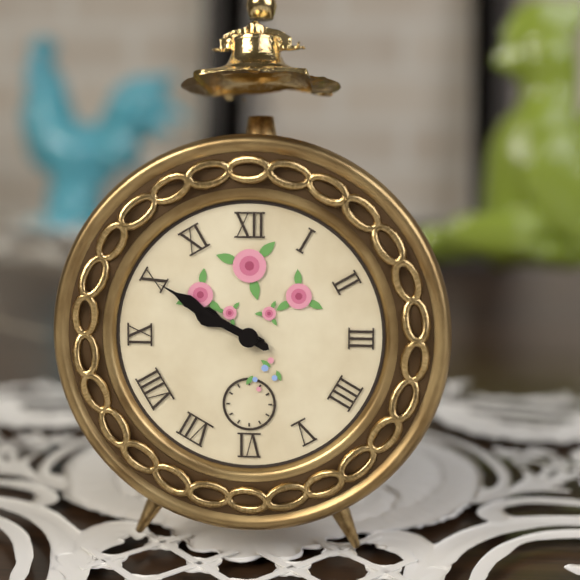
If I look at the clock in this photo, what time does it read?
9:50
